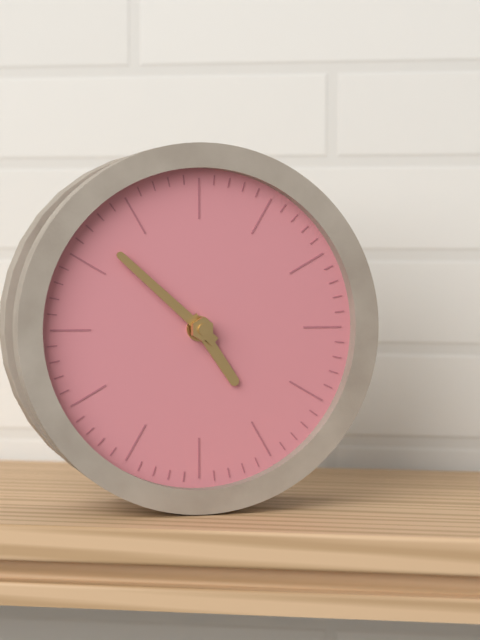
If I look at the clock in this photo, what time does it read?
4:52
